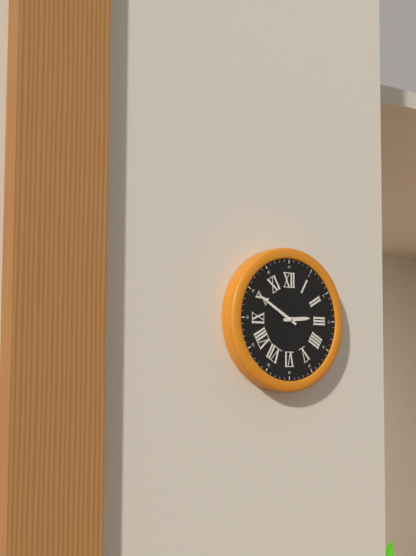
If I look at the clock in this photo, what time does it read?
2:50
